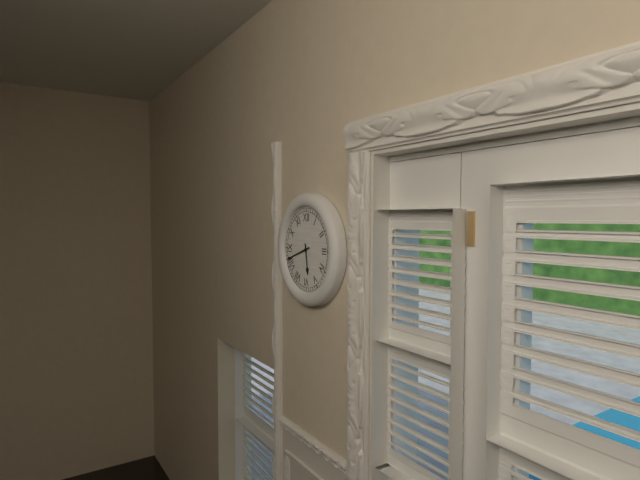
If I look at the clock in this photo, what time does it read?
5:42
